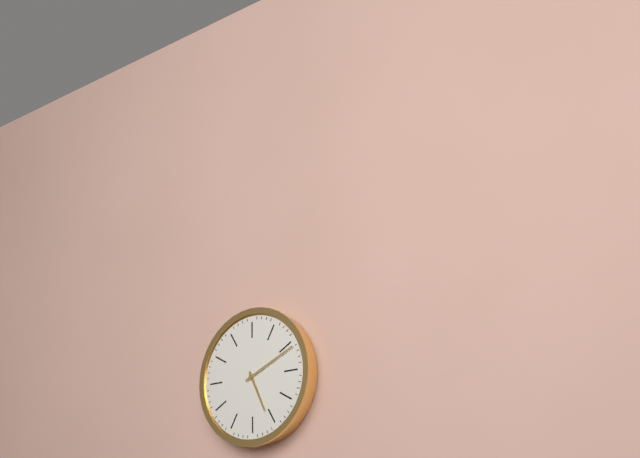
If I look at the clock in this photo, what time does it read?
5:11
